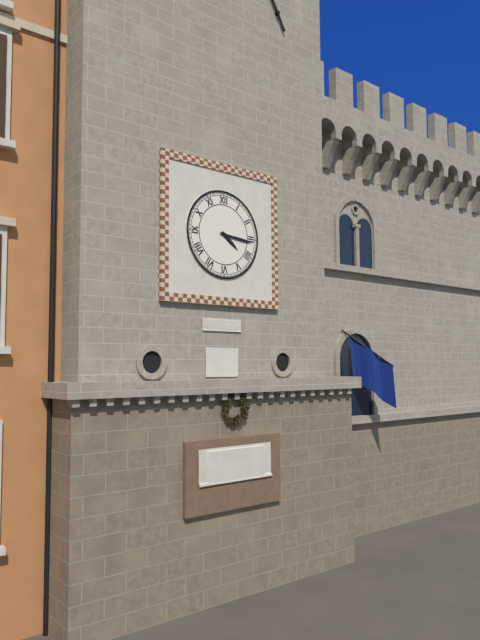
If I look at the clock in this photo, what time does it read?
4:16
